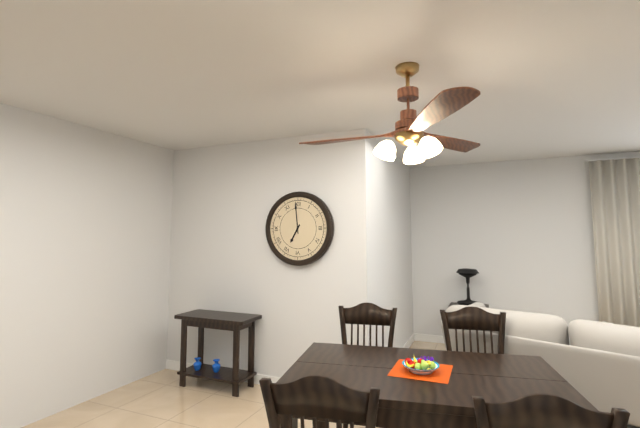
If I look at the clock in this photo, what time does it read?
6:59
